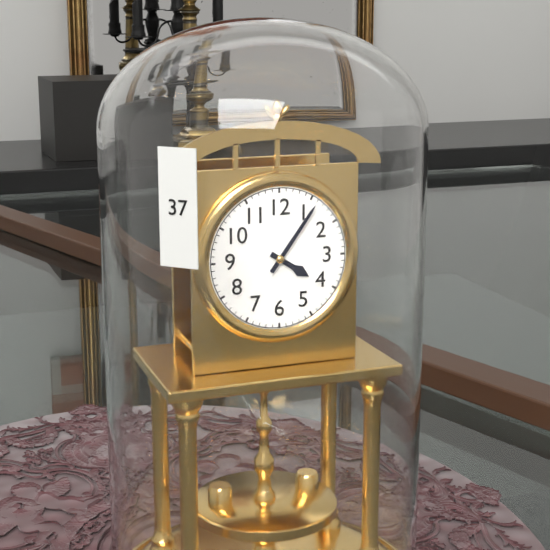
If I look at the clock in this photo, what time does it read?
4:06
